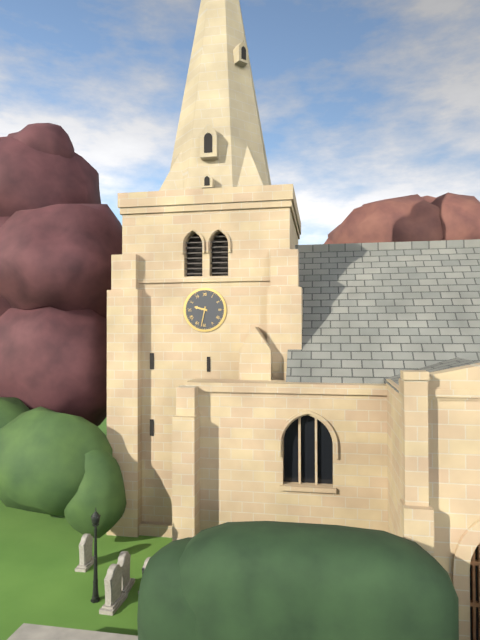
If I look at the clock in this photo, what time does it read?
9:32
